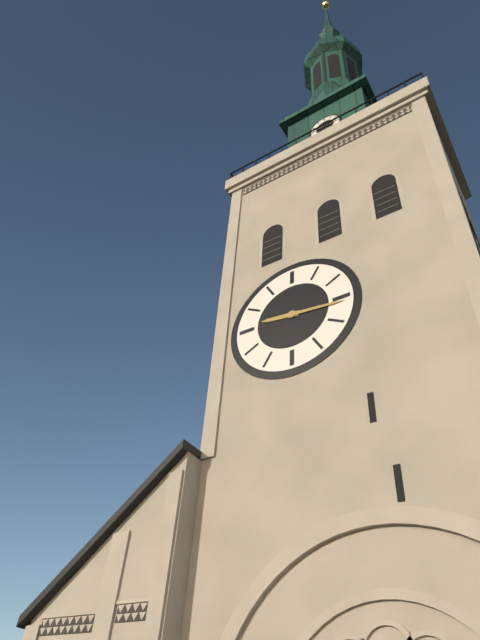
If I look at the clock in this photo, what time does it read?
9:16
